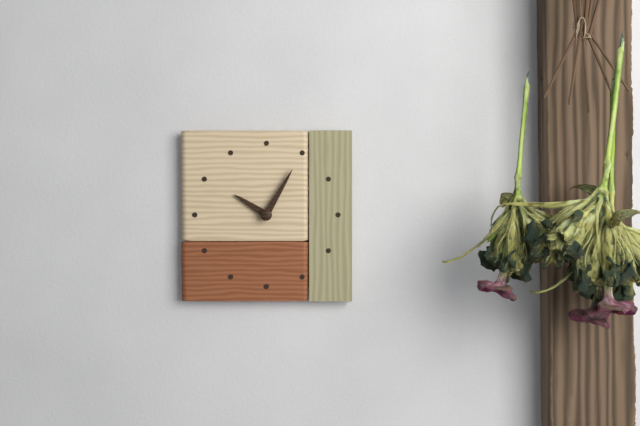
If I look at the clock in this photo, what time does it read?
10:05
